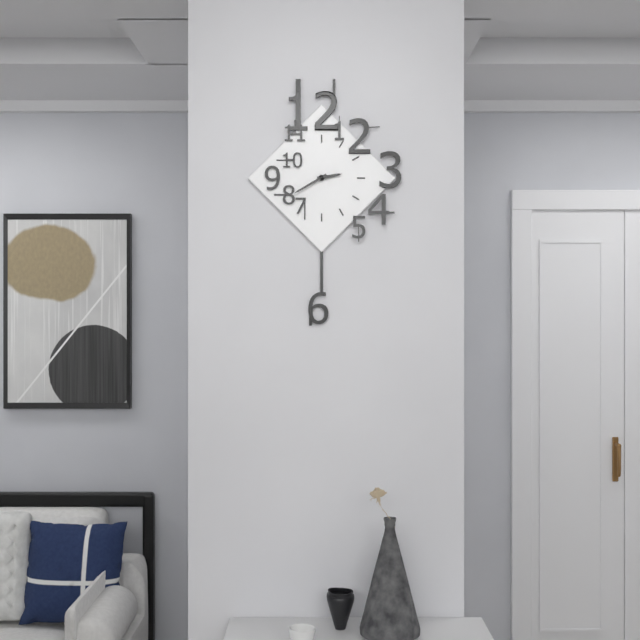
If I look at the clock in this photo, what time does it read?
2:40
